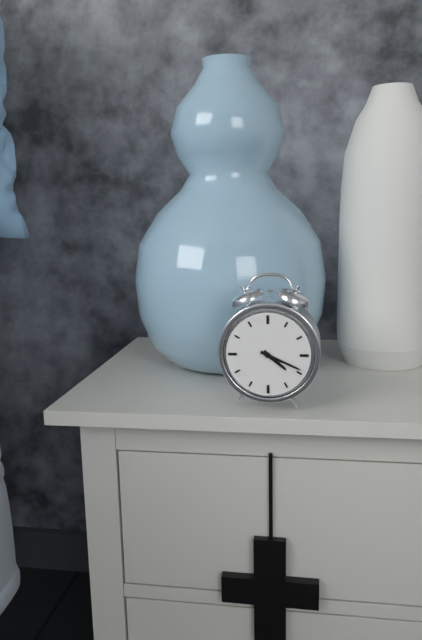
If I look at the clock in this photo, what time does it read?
4:19
